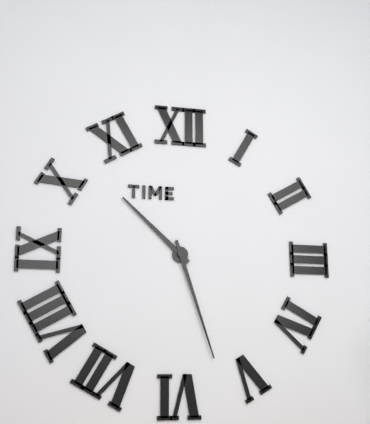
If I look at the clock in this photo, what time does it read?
10:27
